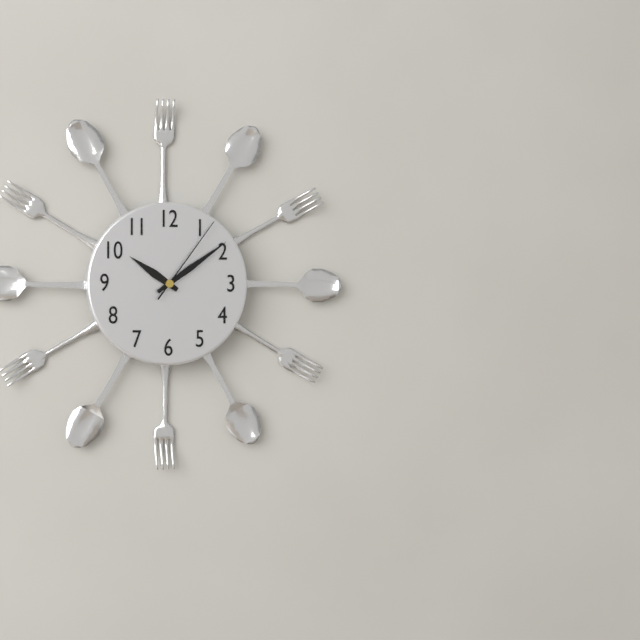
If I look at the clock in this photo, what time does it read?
10:09:06
